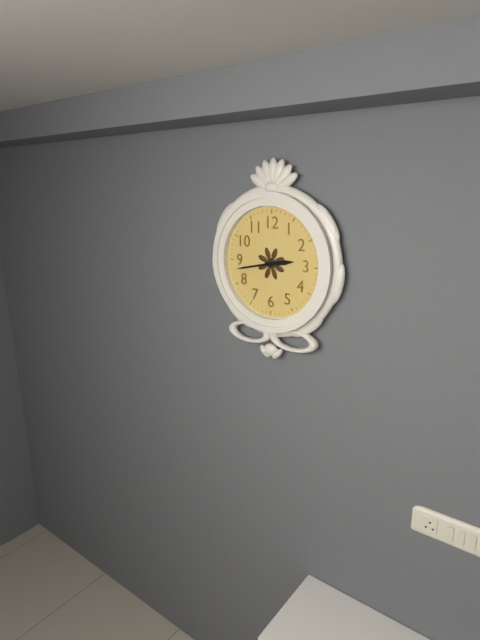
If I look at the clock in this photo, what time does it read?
2:43
